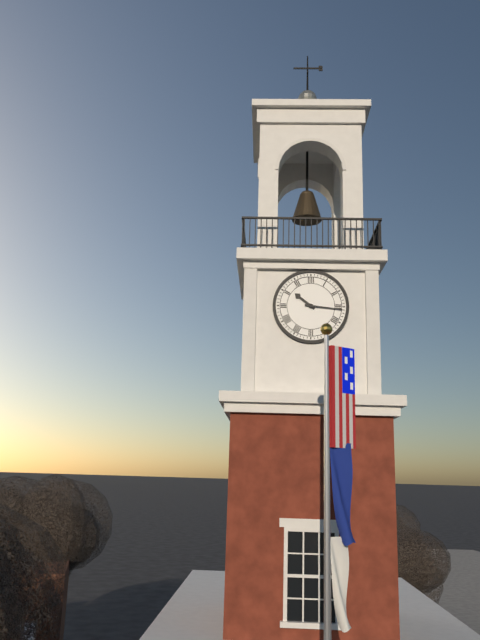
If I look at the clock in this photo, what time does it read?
10:16
